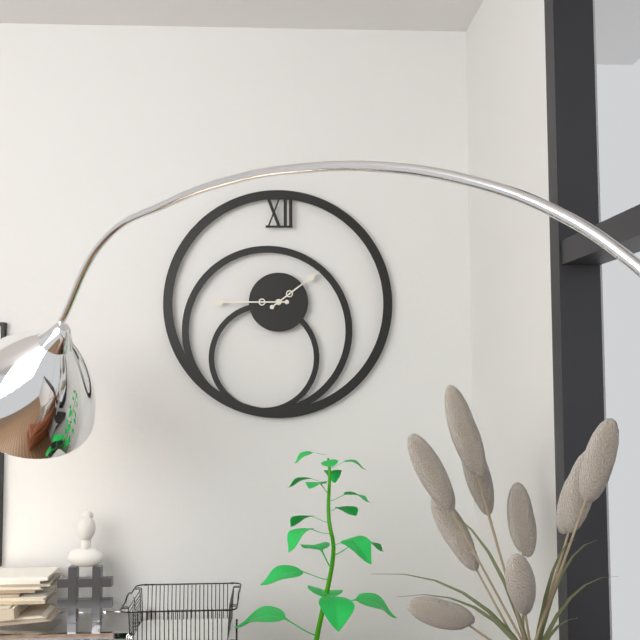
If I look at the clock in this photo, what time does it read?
1:45
